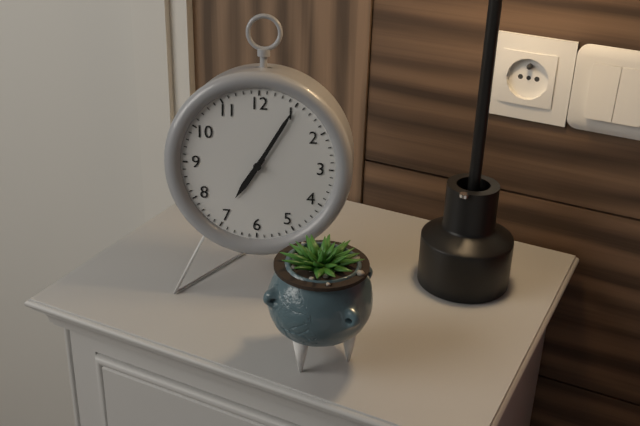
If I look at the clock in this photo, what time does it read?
7:05
